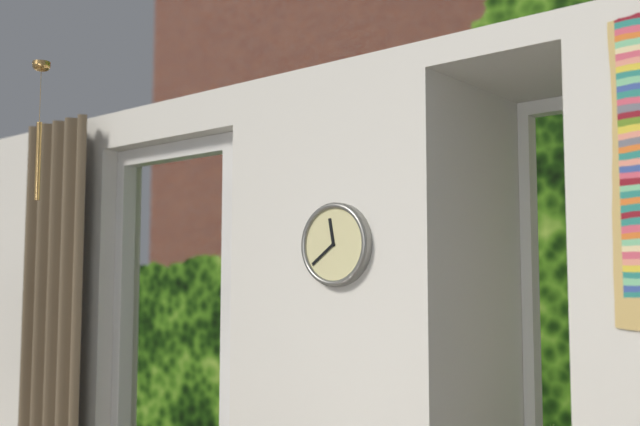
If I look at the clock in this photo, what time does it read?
11:39
